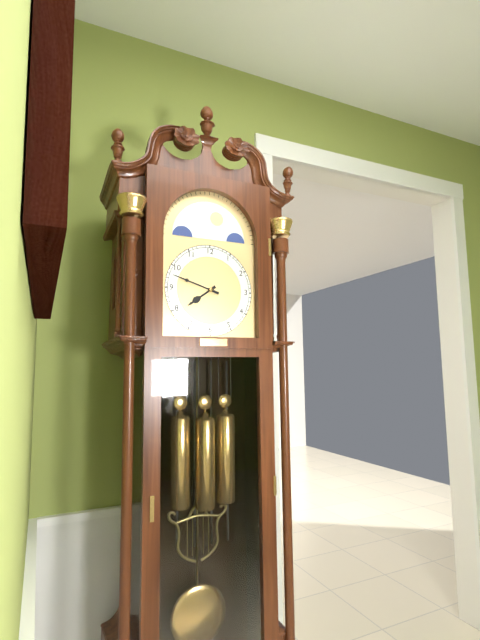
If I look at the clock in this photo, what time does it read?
7:48
